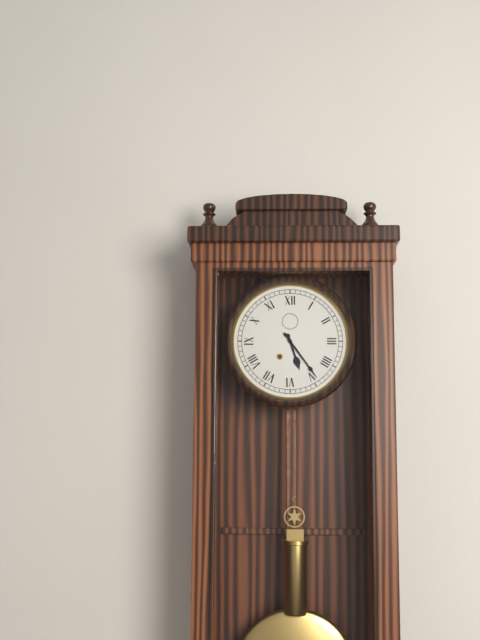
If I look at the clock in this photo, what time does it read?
5:24
